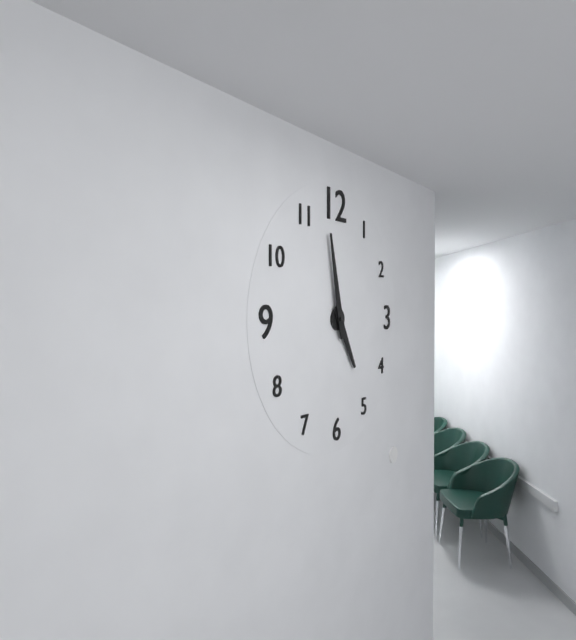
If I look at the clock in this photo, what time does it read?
4:58
